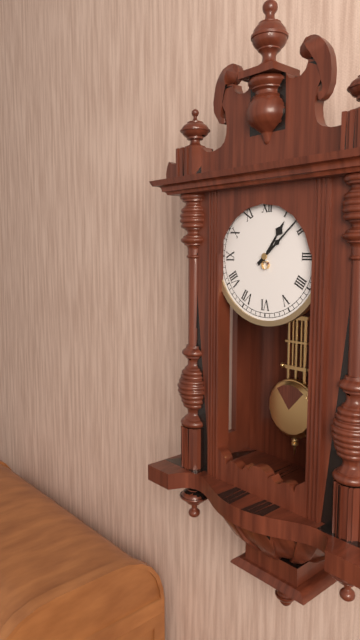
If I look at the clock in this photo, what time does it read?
1:08
